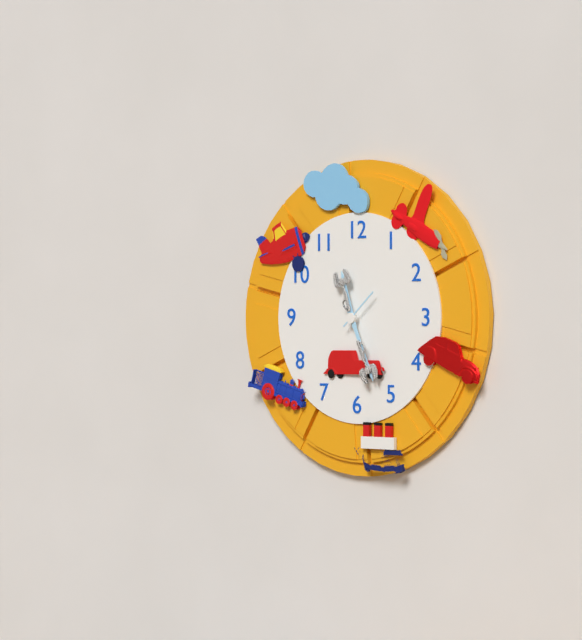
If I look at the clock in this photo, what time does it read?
11:26
